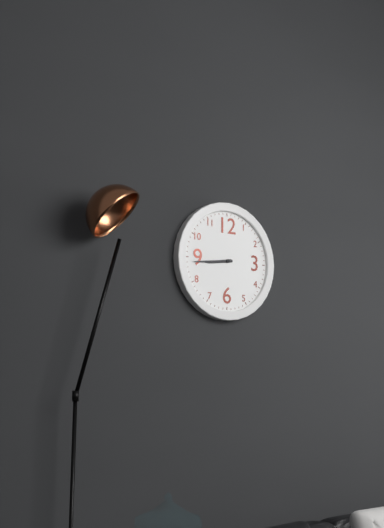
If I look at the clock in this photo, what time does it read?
8:44
